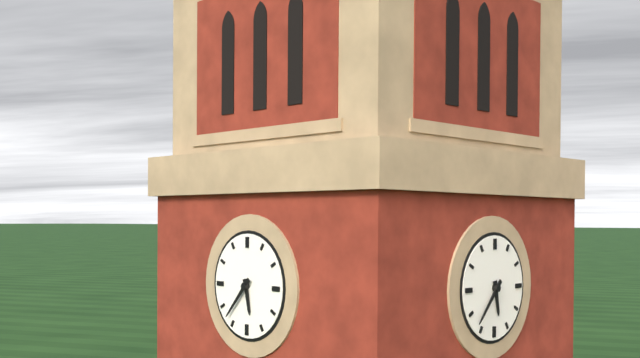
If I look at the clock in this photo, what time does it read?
5:37
